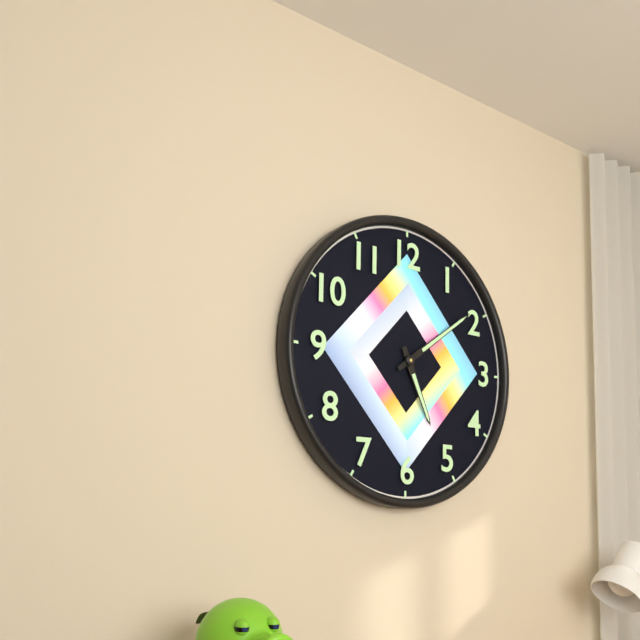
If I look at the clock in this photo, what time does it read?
5:09
